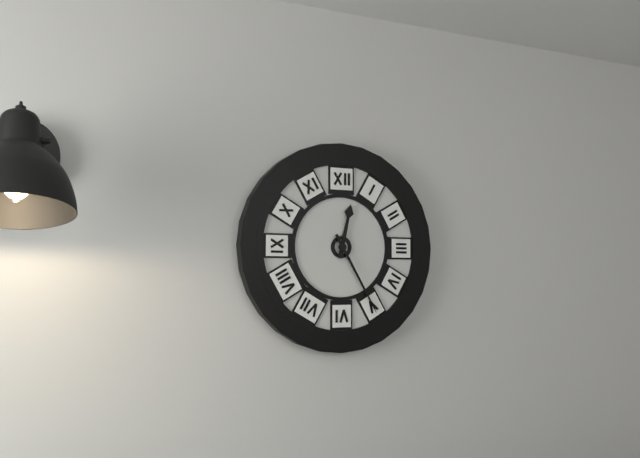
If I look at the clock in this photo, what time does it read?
12:25
